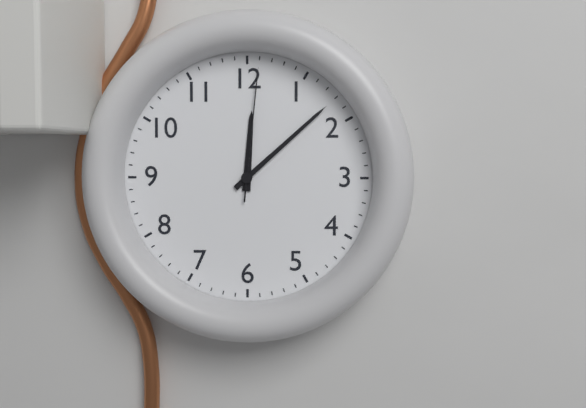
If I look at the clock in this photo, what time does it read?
12:08:01
